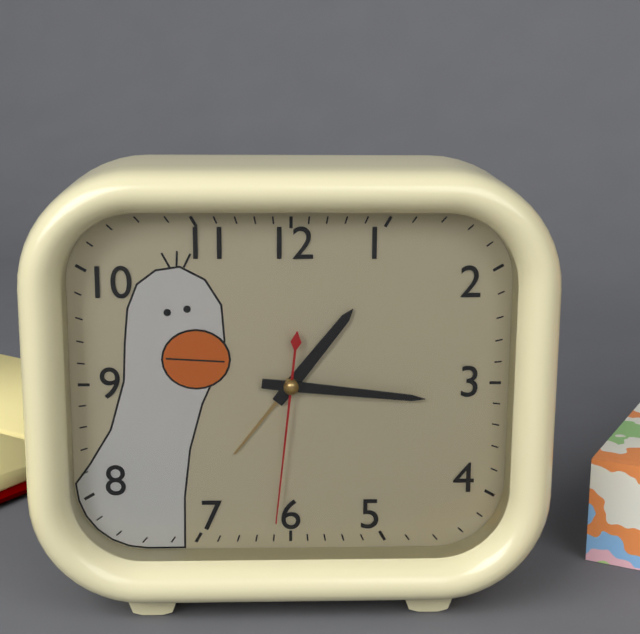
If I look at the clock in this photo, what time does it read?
1:16:31
